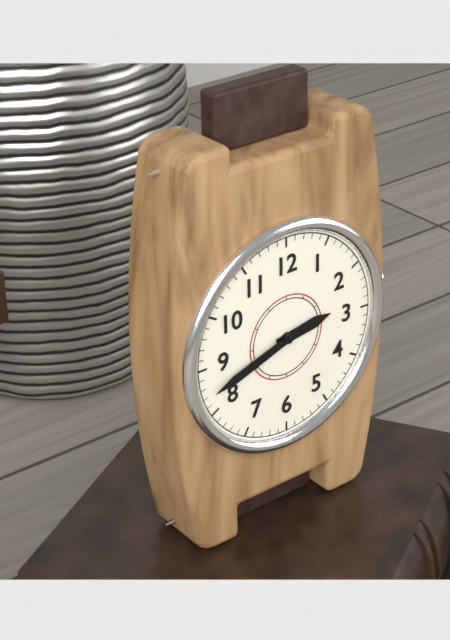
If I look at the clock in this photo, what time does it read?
2:42
